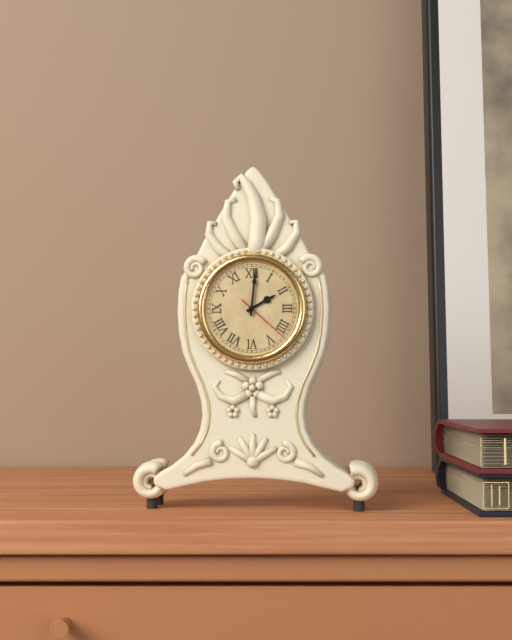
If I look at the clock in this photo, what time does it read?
2:01:22
